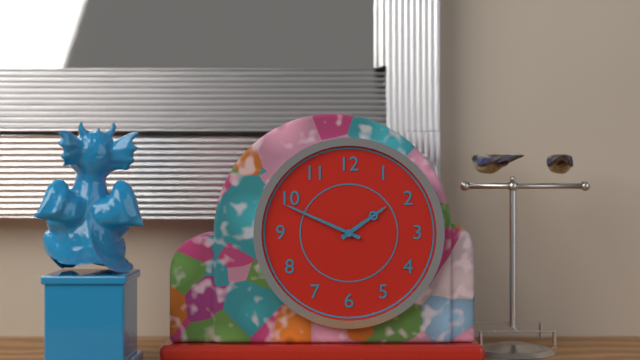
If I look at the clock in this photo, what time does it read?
1:49
